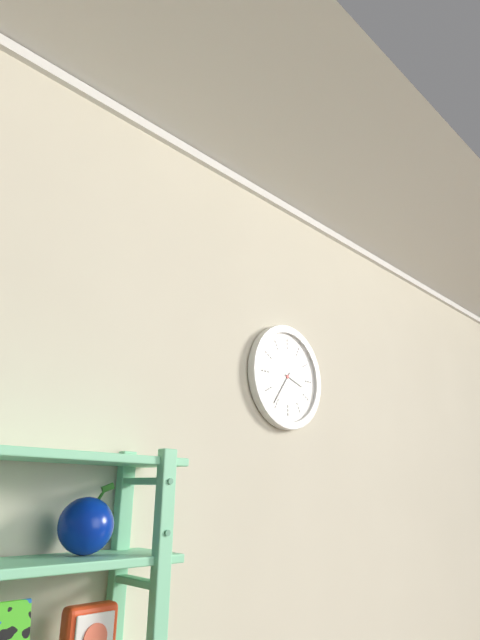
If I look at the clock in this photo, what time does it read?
3:36
